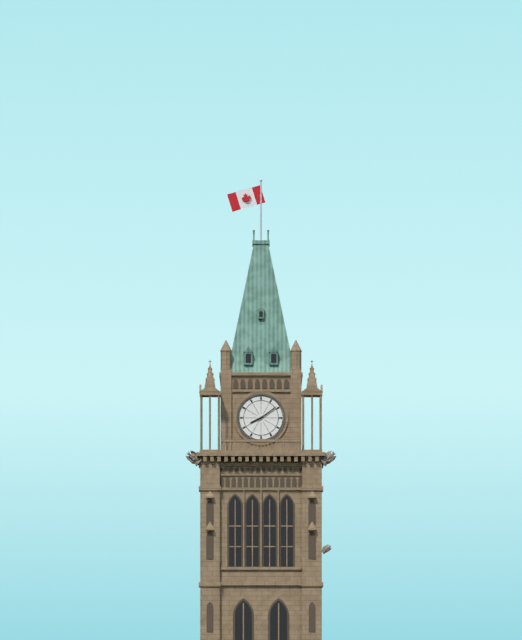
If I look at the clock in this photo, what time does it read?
8:09
